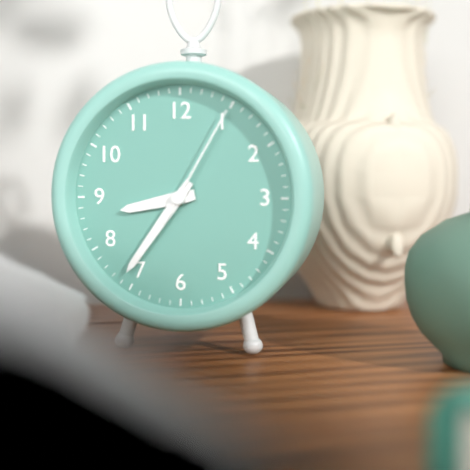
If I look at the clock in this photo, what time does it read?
8:36:05
